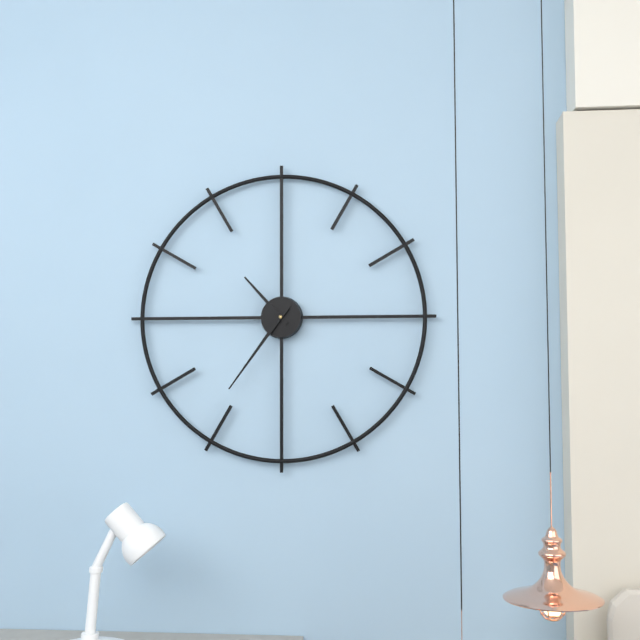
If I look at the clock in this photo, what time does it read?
10:36
